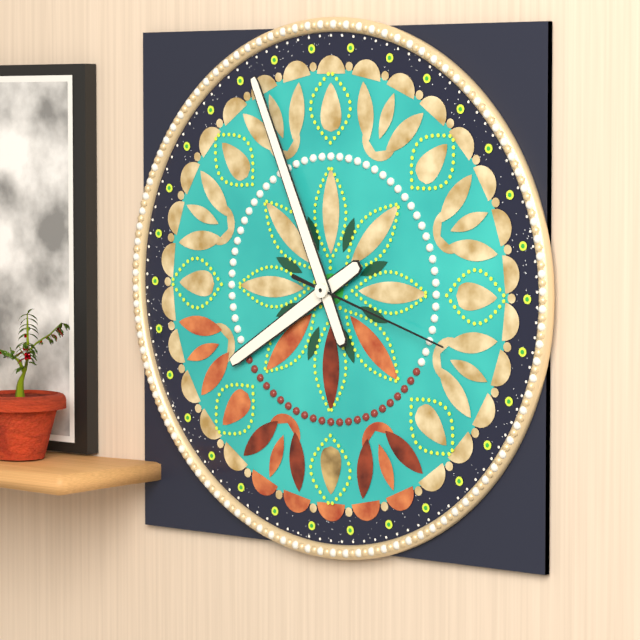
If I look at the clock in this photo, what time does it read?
7:56:18
